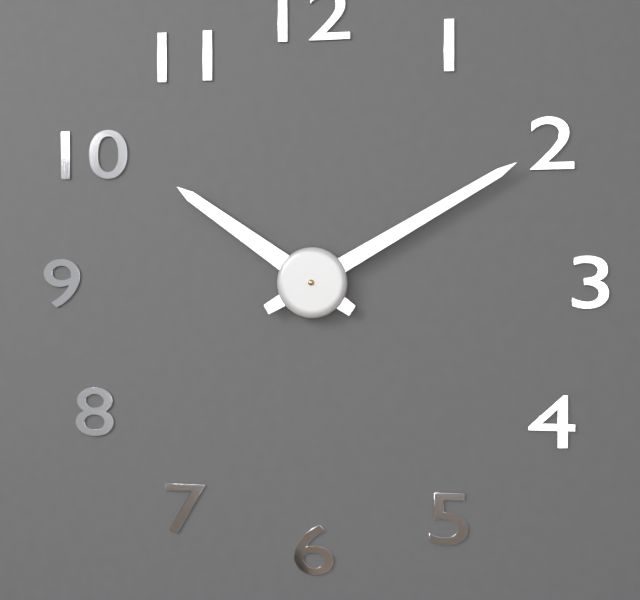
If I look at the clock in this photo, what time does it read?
10:10
